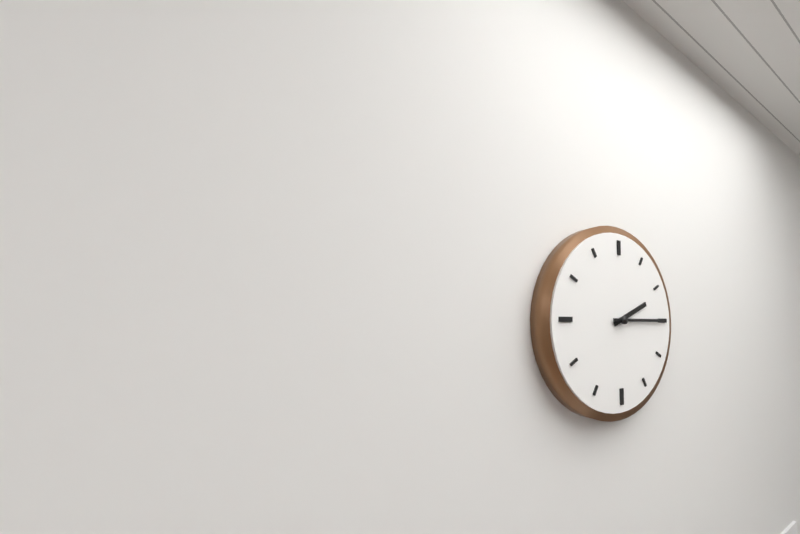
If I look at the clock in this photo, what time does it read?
2:15
